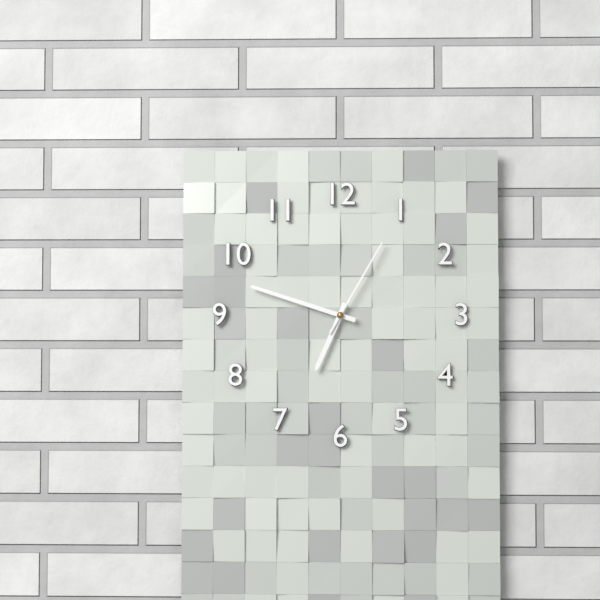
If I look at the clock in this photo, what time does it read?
6:48:05
